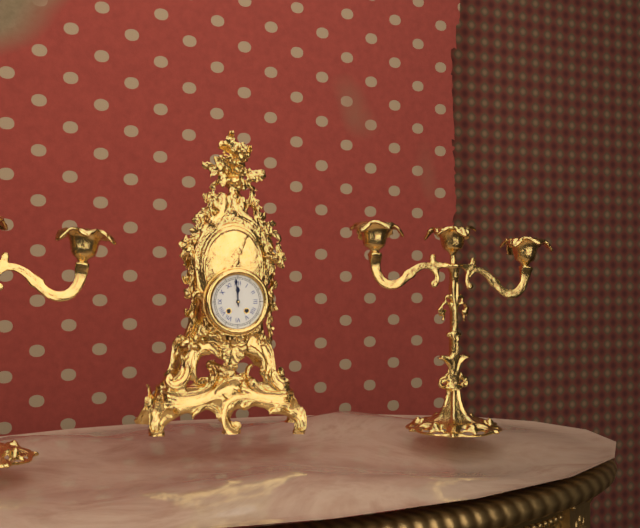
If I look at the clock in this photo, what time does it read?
11:59
